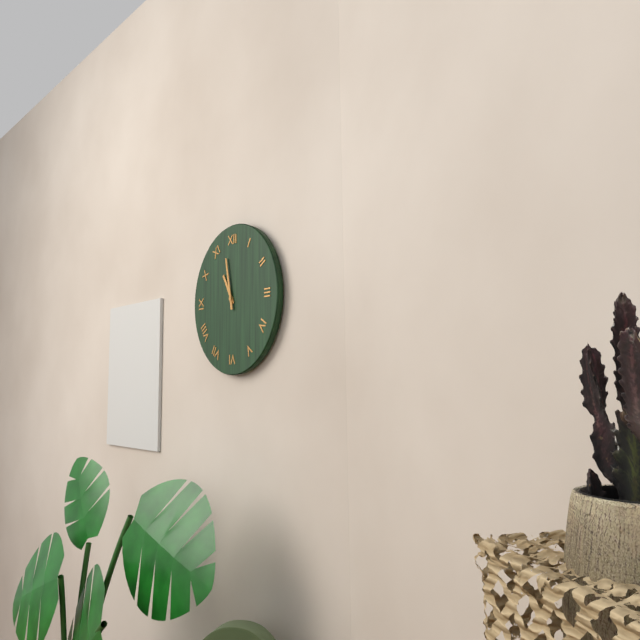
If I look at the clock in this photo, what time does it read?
10:58
